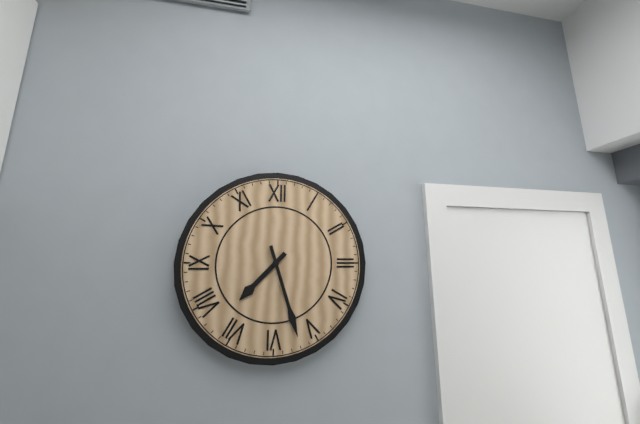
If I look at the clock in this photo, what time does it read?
7:27
